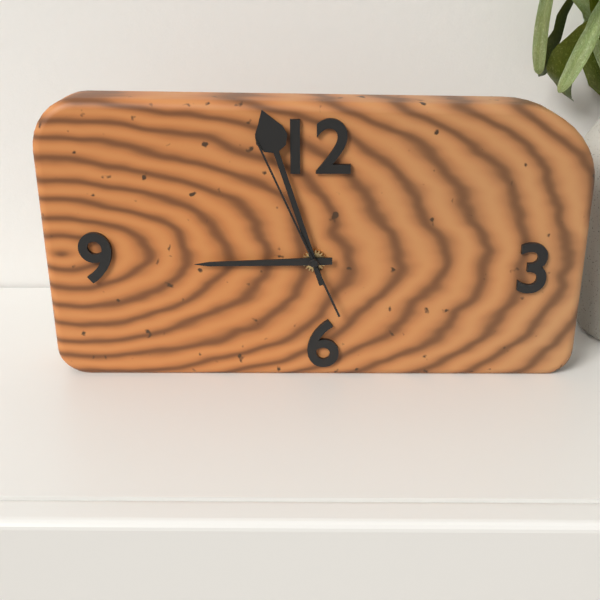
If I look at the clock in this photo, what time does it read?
8:57:56
